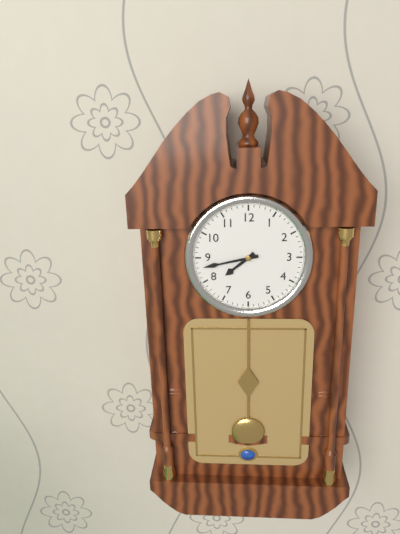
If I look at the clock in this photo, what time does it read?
7:43
